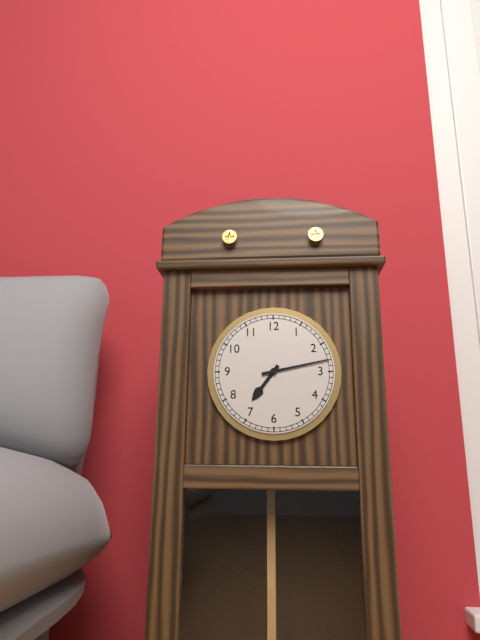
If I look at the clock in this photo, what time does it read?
7:13
